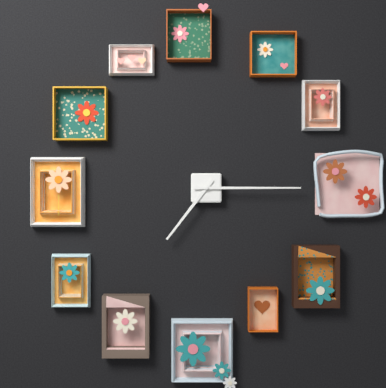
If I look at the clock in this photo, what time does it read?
7:15
